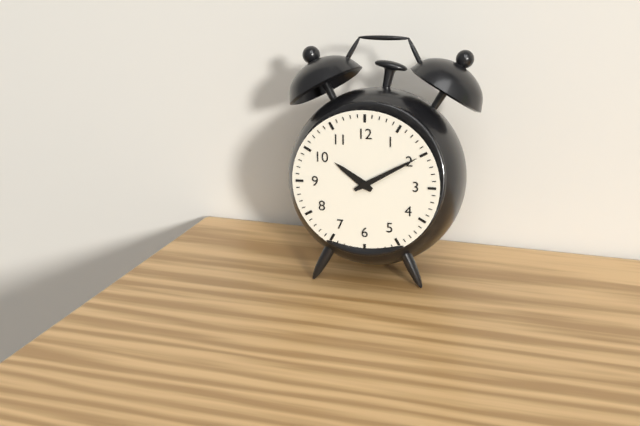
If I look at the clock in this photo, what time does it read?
10:10
